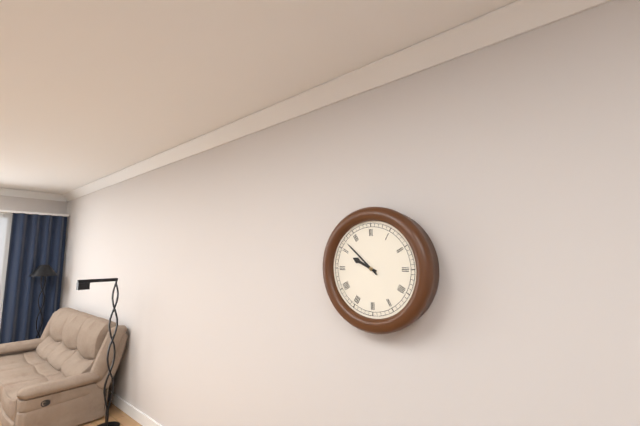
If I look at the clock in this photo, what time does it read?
9:52
